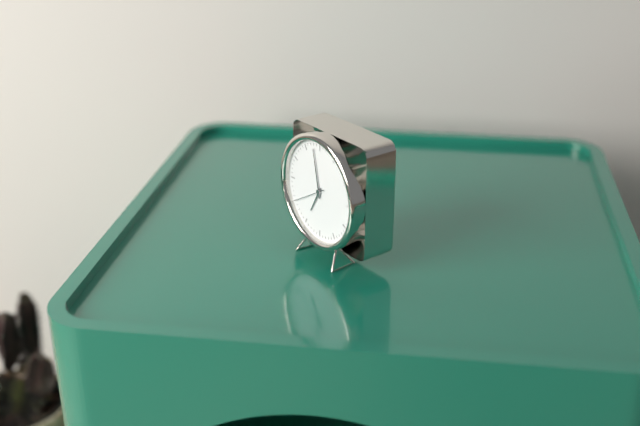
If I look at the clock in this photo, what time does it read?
6:58
